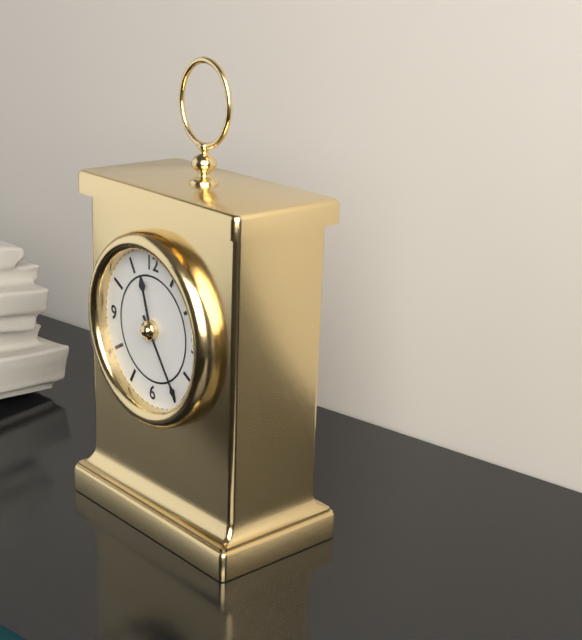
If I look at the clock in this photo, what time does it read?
11:24
